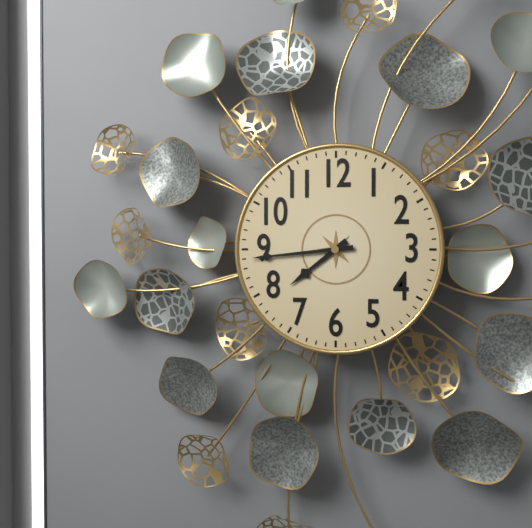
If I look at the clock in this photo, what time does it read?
7:44
